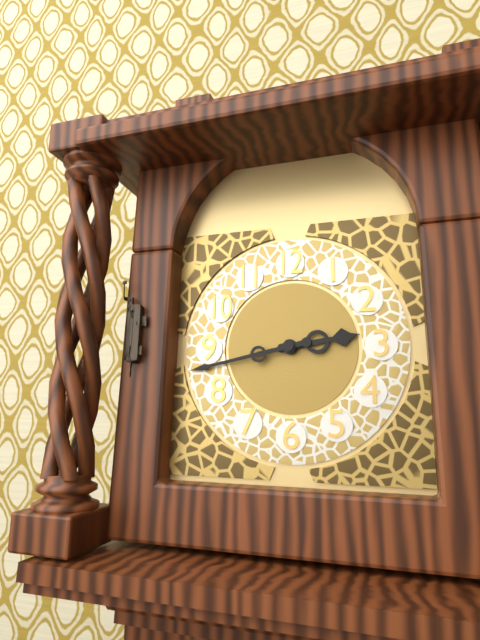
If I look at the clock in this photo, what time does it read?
2:43
